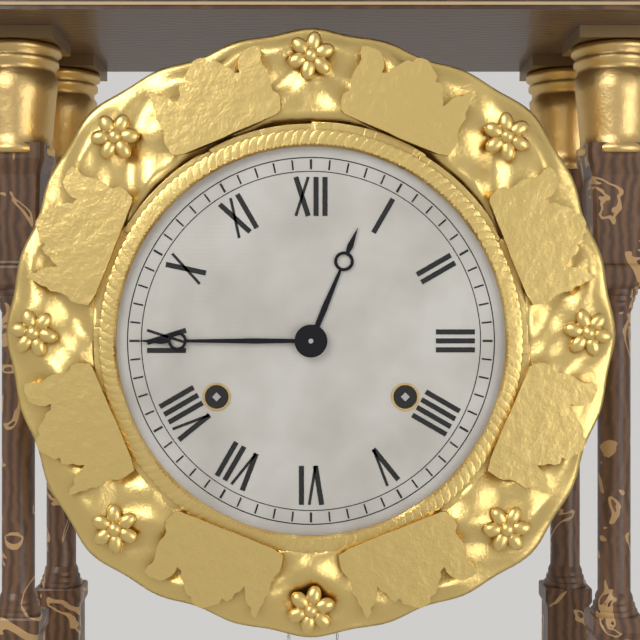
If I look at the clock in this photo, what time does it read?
12:45
